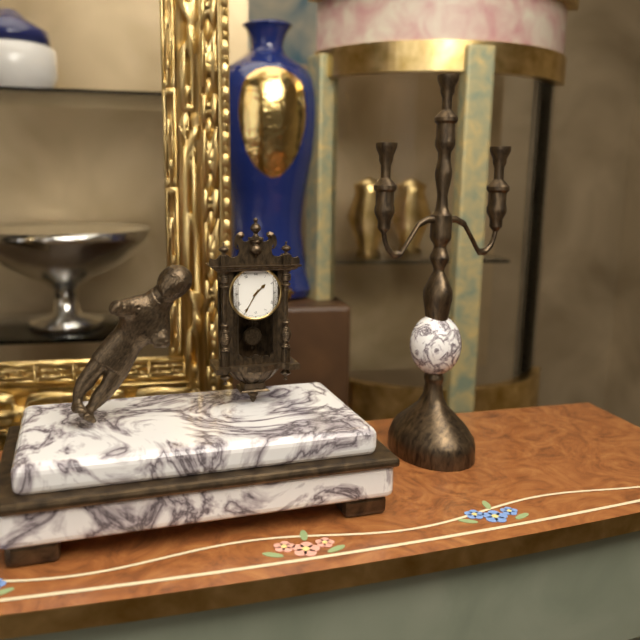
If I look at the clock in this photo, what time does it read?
1:35
